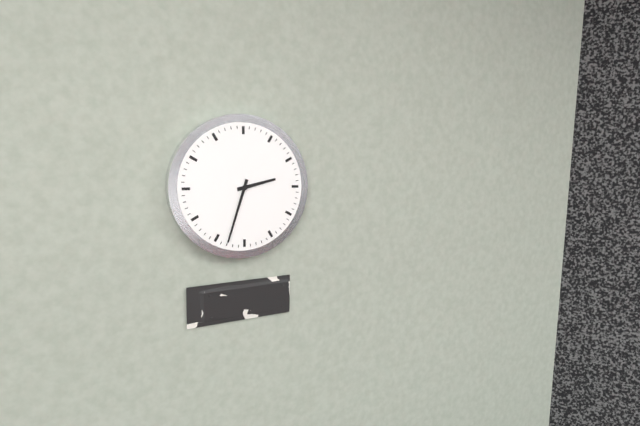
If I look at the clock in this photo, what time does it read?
2:33
